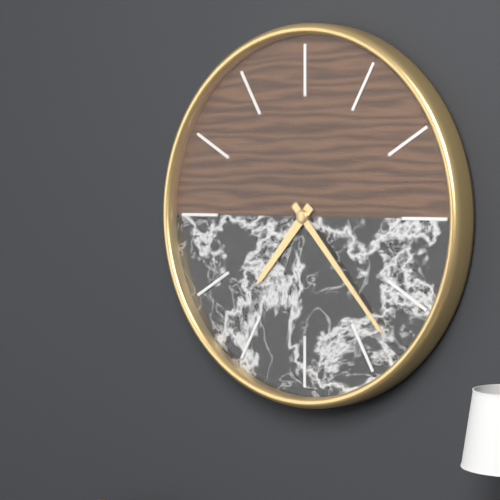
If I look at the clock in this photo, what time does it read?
7:23
